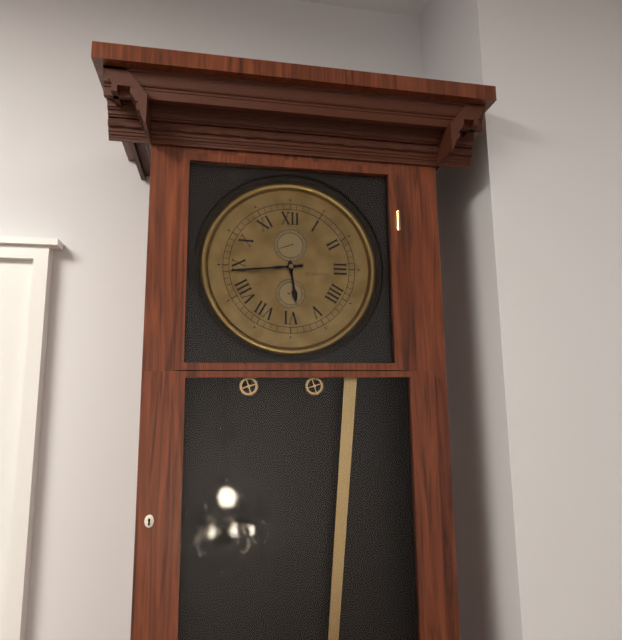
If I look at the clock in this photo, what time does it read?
5:44
